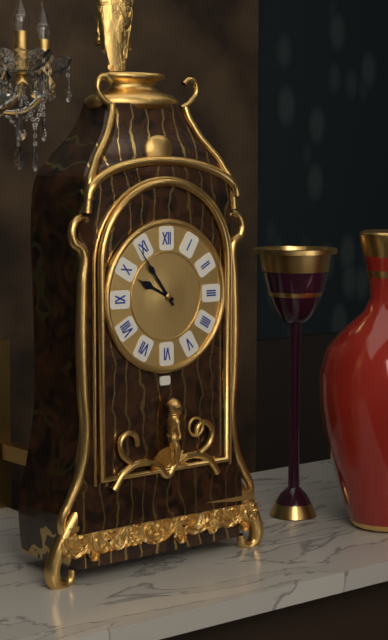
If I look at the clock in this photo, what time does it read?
9:54
